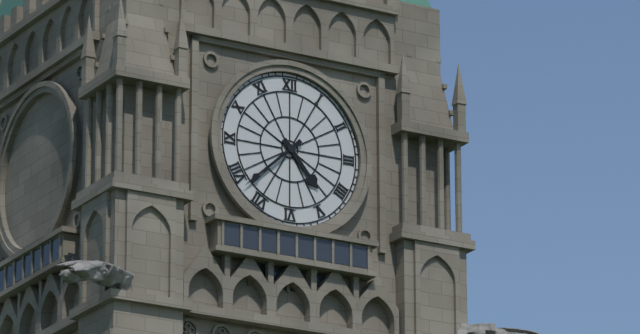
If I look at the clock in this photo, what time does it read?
4:38
